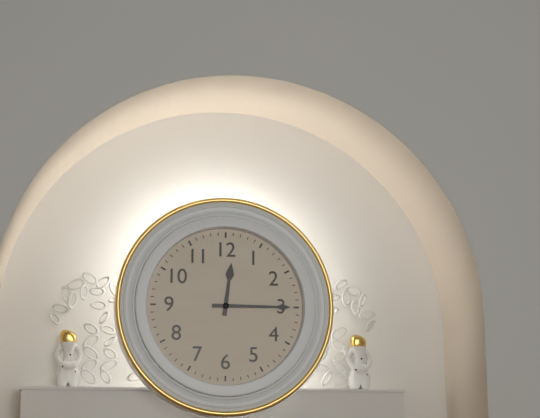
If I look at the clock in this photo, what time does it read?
12:15
